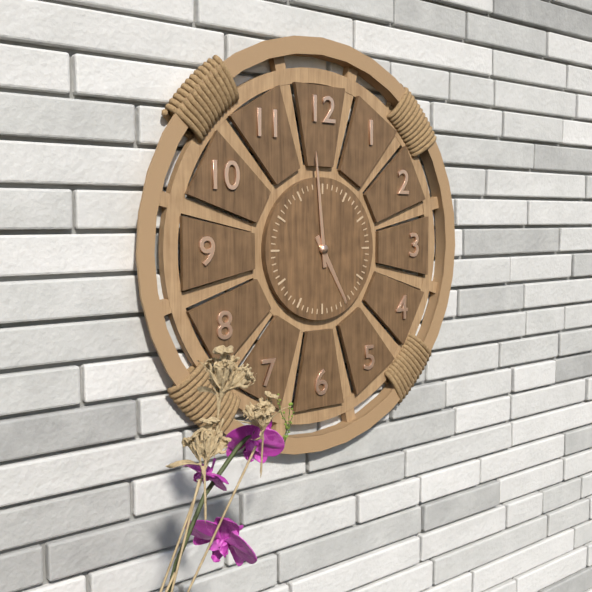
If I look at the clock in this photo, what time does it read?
4:59
